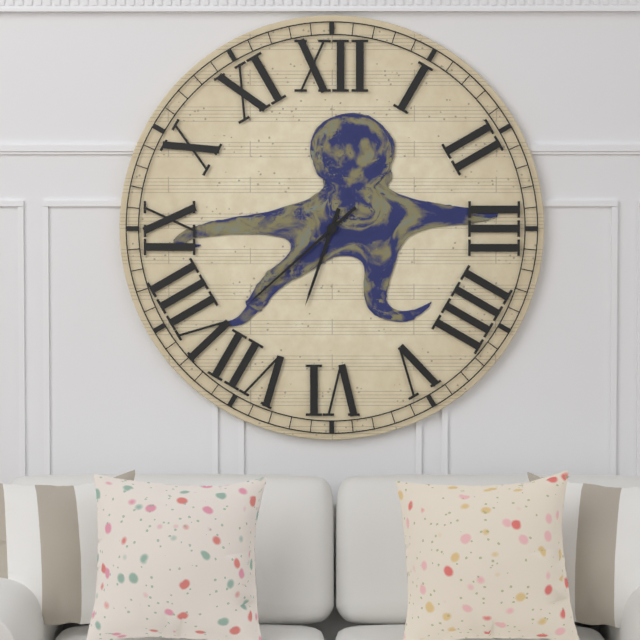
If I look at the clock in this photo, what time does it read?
6:38
